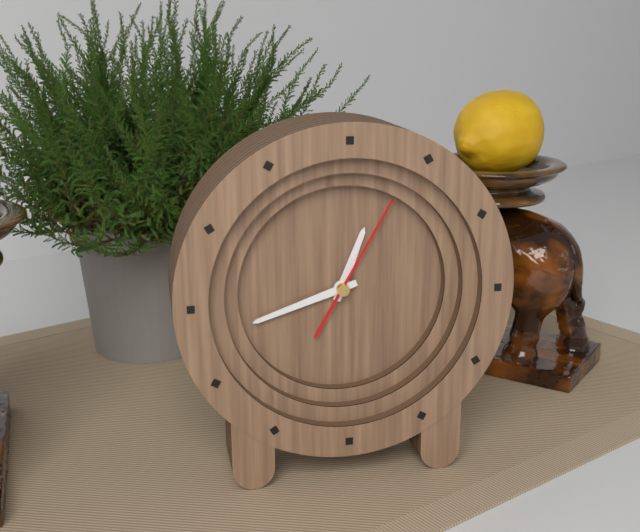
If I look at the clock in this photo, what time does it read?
12:42:05
